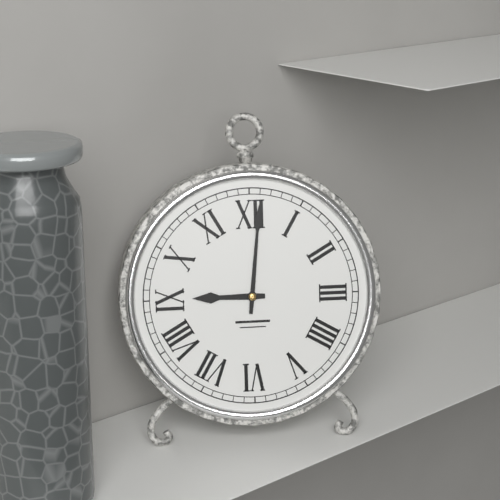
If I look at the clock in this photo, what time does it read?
9:01
